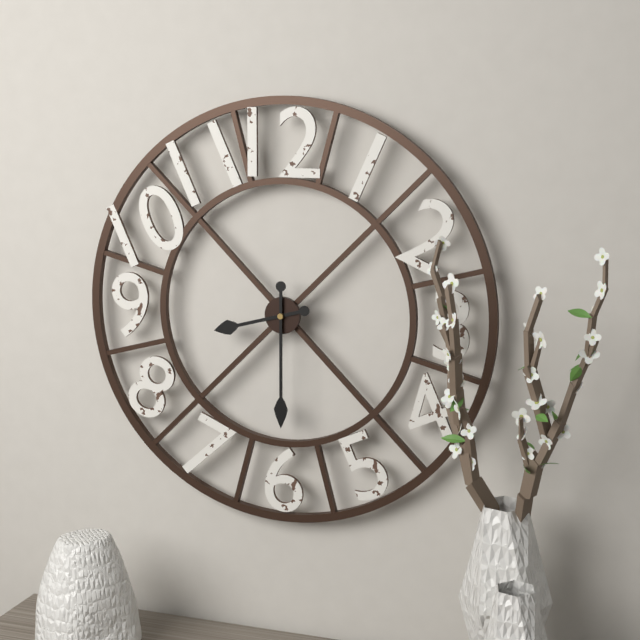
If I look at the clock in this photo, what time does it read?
8:30
